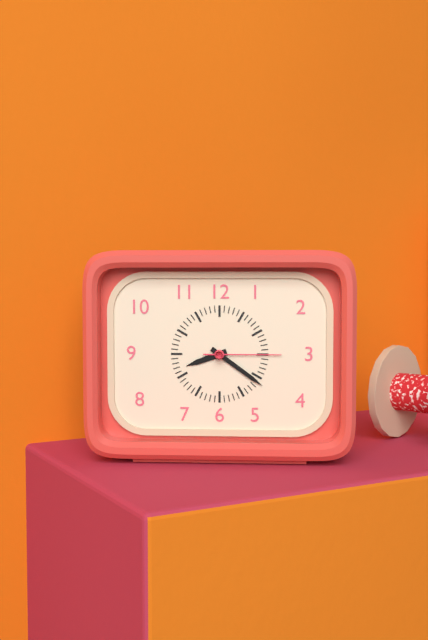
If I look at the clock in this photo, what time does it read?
8:21:15
